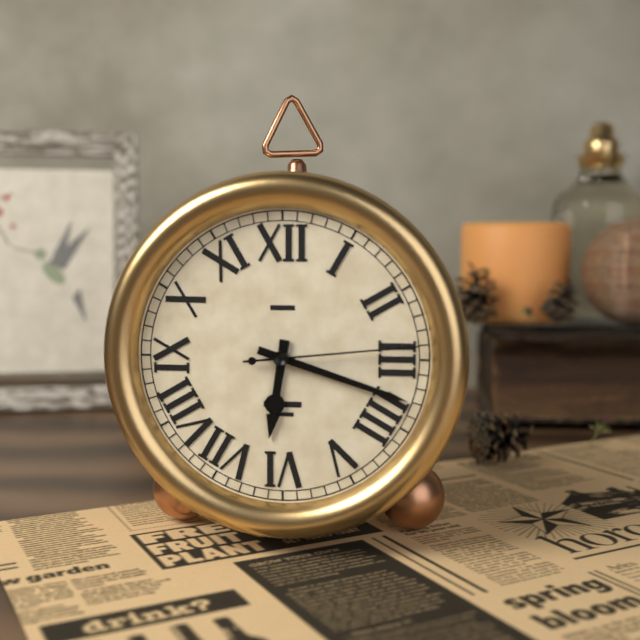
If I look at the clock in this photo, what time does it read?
6:18:14
